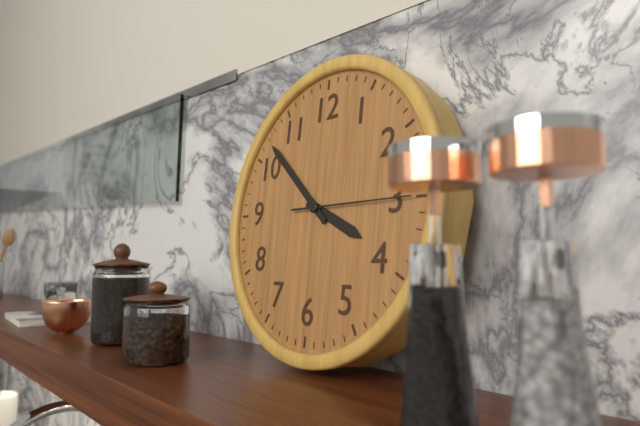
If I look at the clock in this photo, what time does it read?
3:52:15
